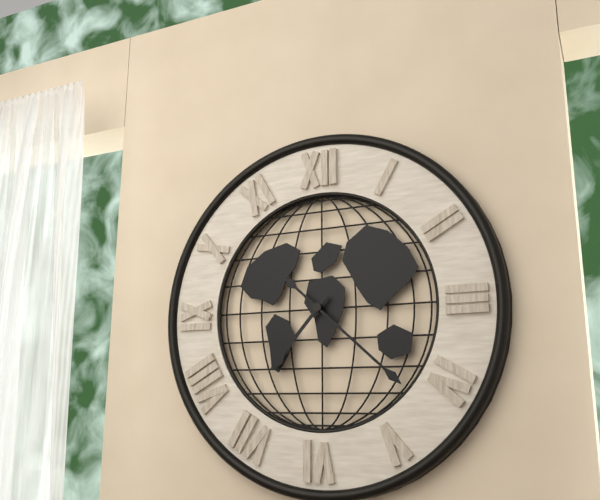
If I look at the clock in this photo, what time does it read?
7:22
